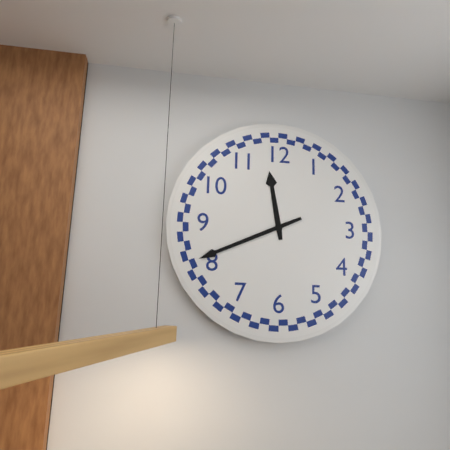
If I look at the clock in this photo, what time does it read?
11:41
